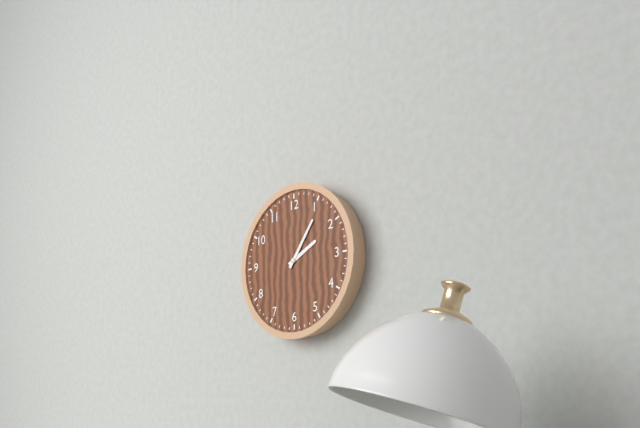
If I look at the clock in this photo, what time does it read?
2:06
